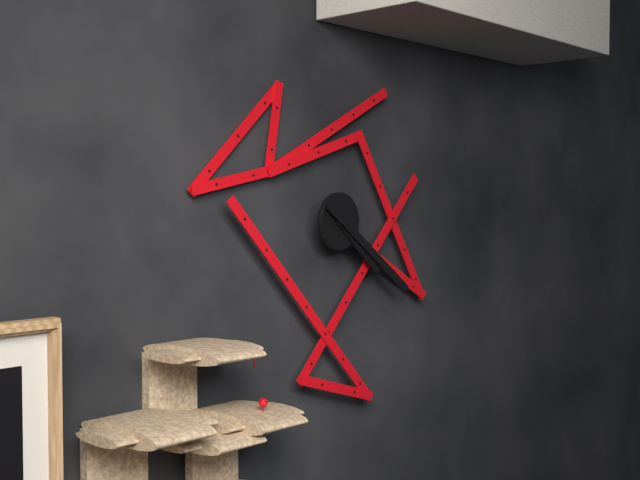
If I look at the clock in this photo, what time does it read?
4:21
